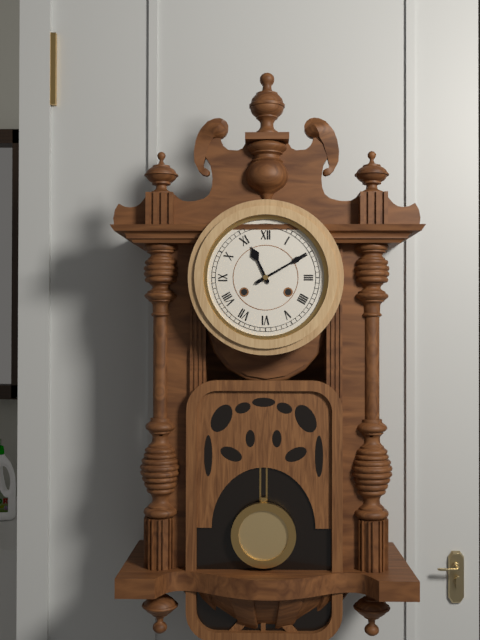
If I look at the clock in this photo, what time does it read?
11:10
